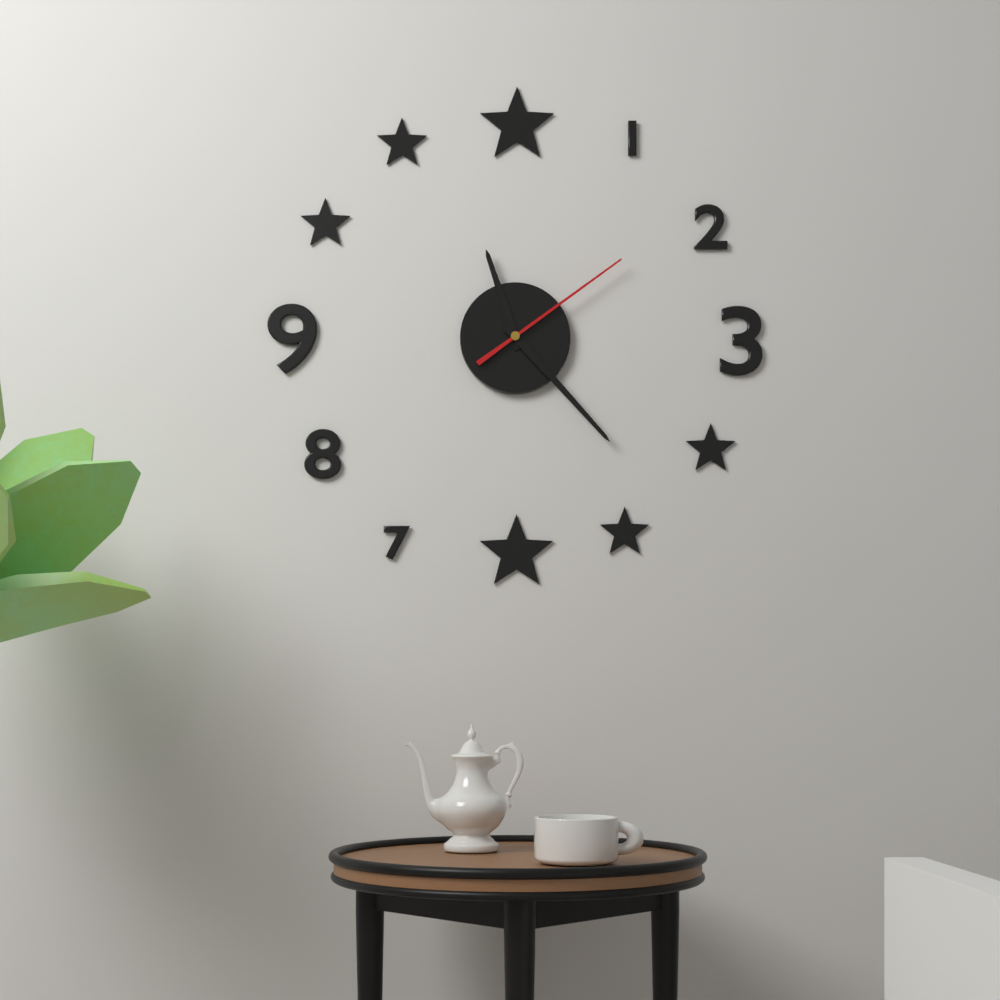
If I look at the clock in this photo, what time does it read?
11:23:09
